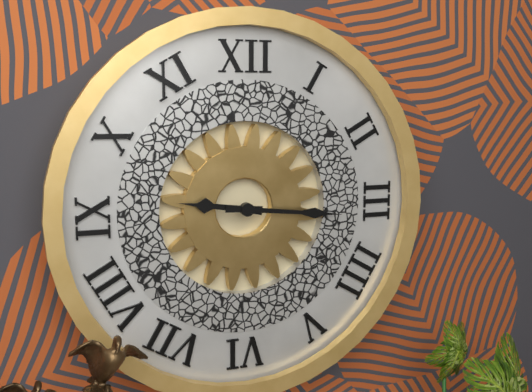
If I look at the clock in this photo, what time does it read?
9:16
